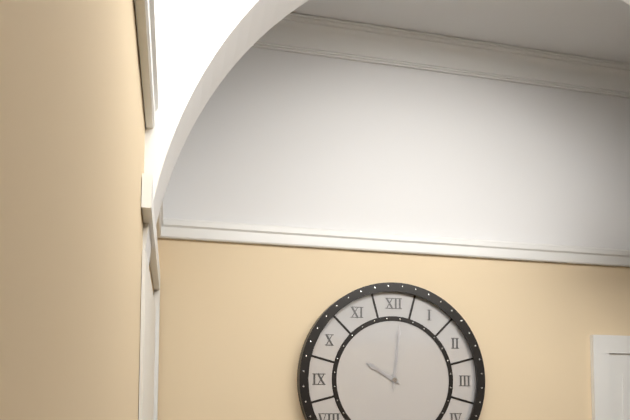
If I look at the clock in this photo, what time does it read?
10:01
